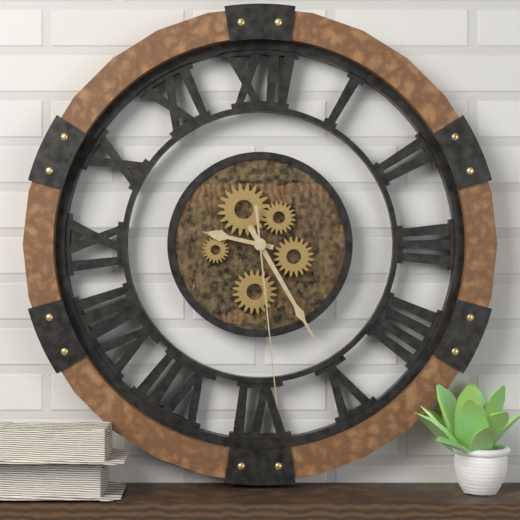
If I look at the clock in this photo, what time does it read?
9:25:29
